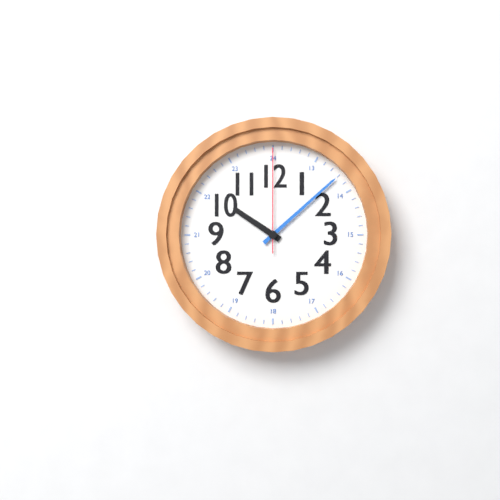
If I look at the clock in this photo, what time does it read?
10:08:00
